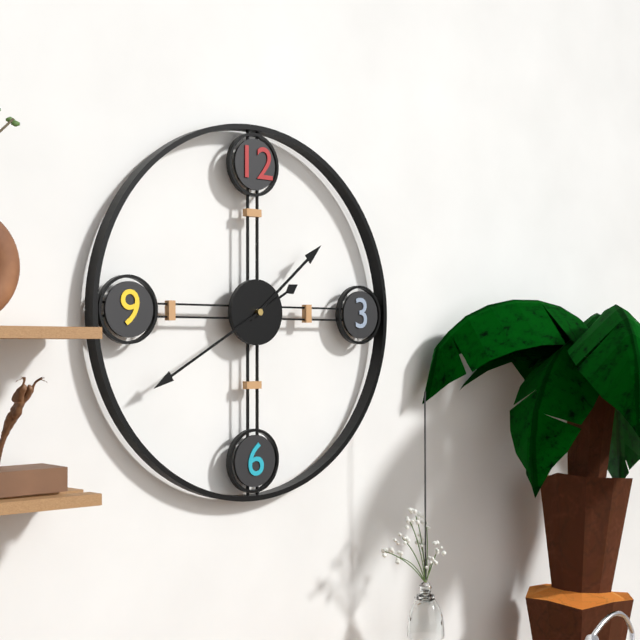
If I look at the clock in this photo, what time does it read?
1:40
